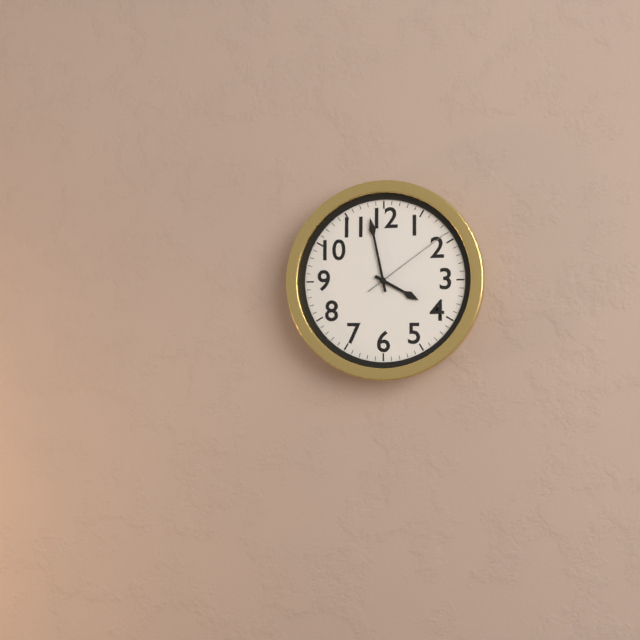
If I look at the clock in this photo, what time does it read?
3:58:09
